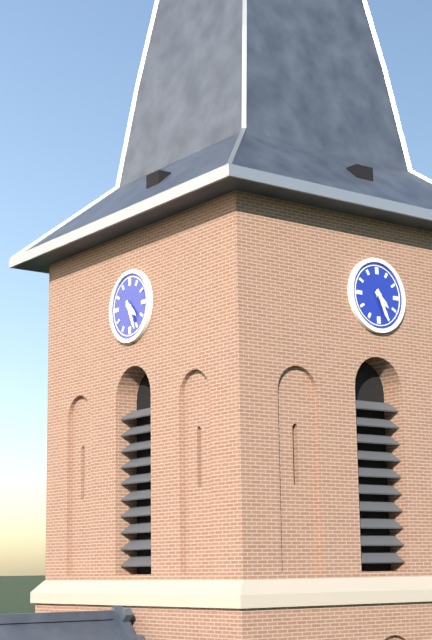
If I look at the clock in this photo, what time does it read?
4:26
